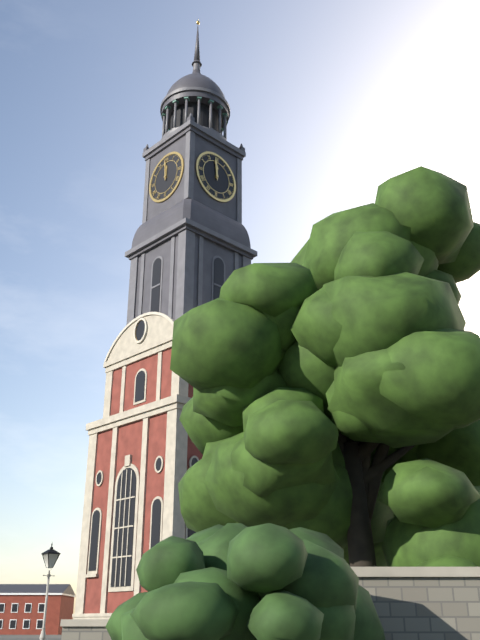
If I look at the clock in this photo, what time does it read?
11:59
